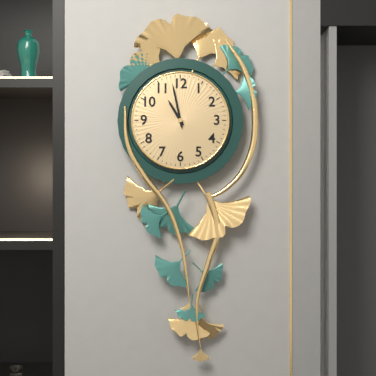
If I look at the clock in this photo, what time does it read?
10:58
